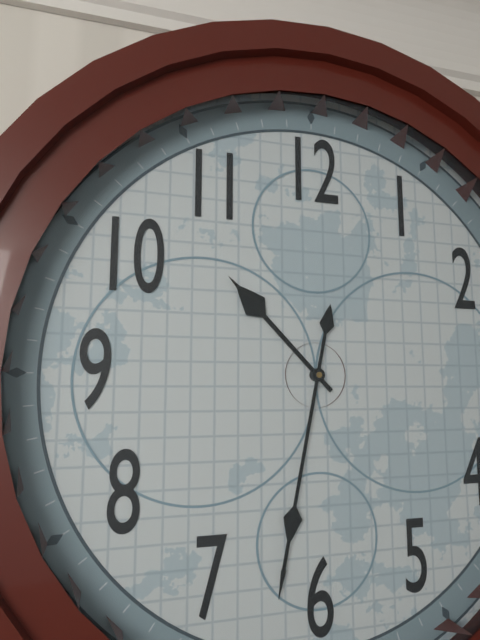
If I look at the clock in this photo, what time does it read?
10:32
